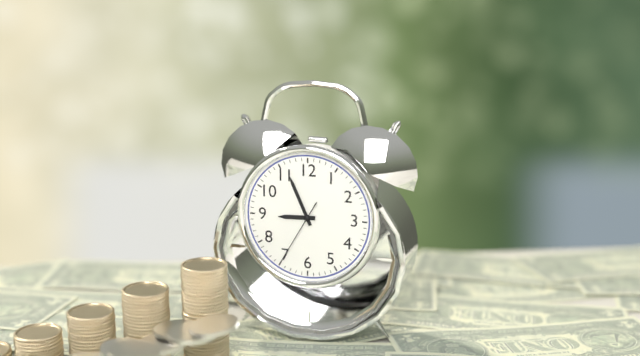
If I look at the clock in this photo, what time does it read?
8:56:35
